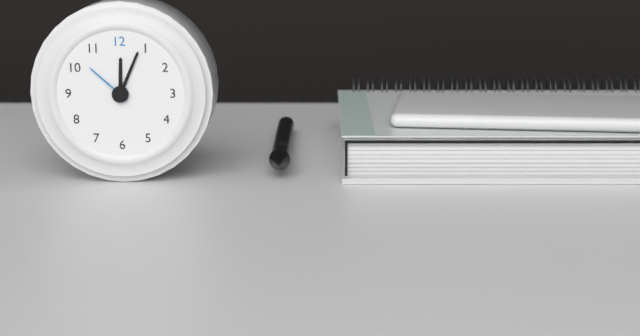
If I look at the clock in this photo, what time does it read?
12:04:52
